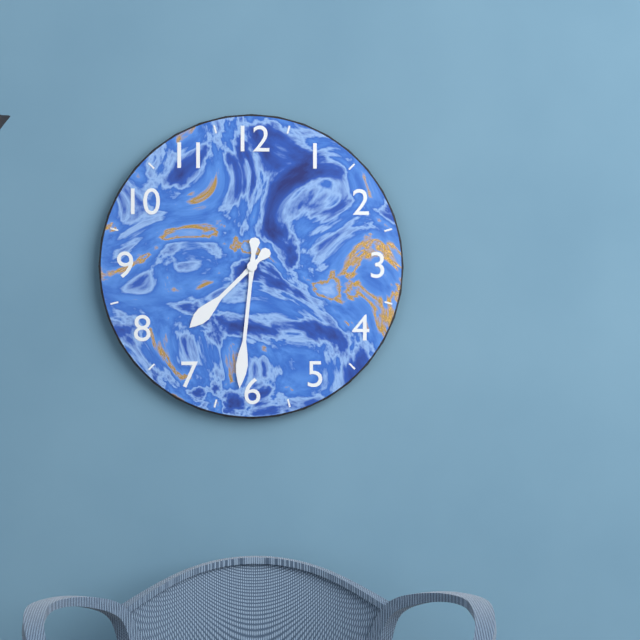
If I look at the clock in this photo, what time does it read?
7:31
